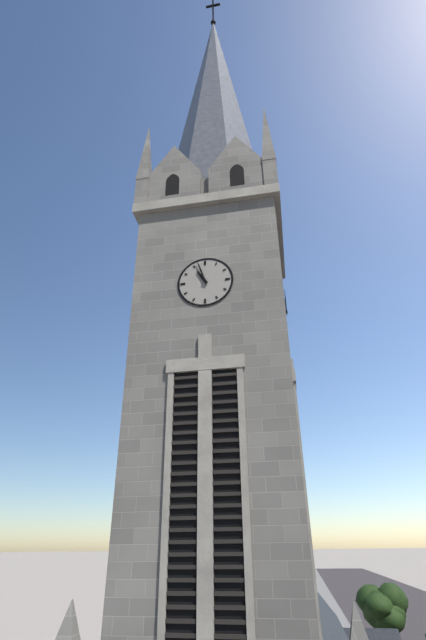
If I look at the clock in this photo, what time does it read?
10:57
